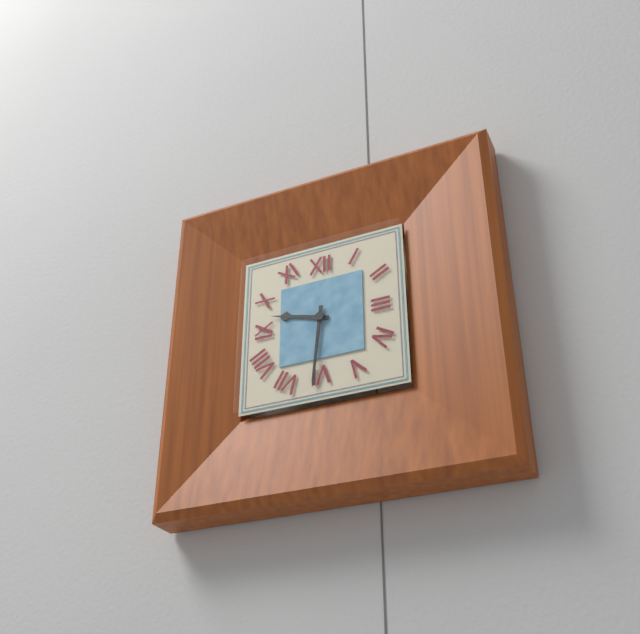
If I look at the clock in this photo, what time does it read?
9:31
